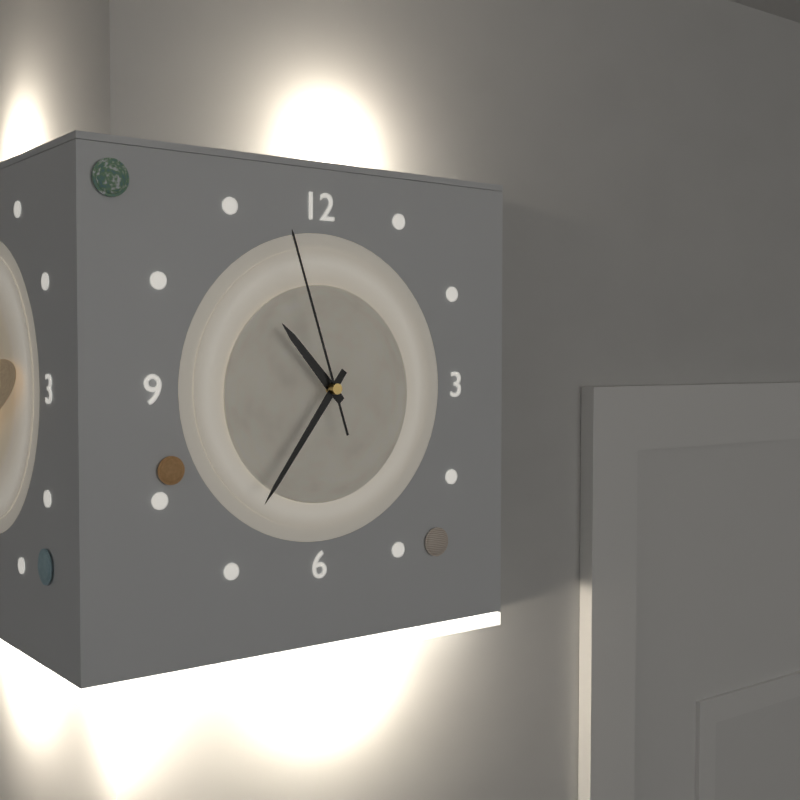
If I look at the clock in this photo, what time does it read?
10:36:57
